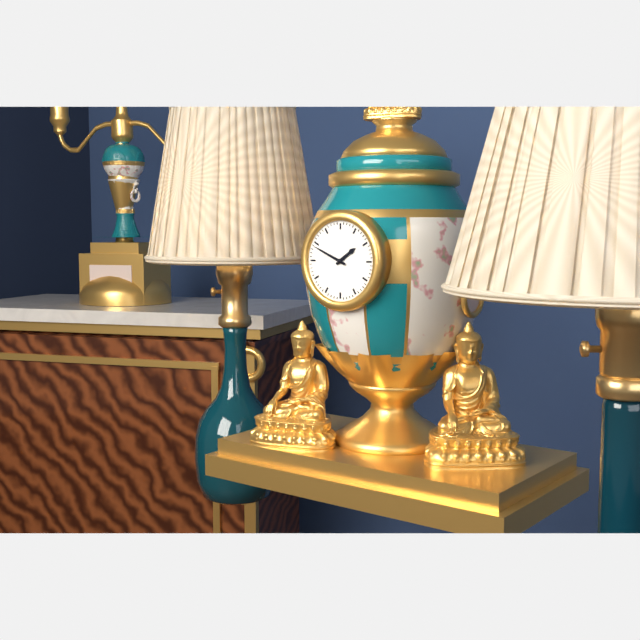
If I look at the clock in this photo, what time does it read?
1:49
